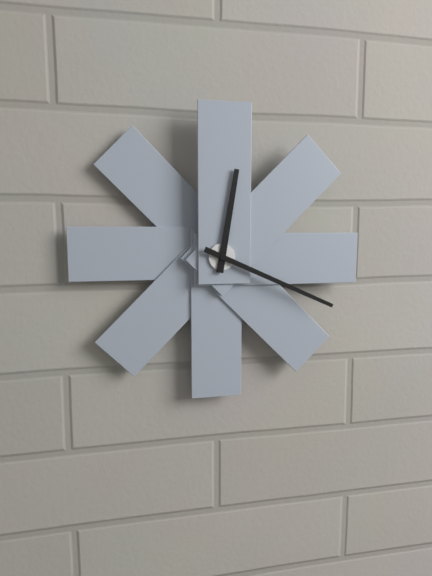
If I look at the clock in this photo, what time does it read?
12:19
